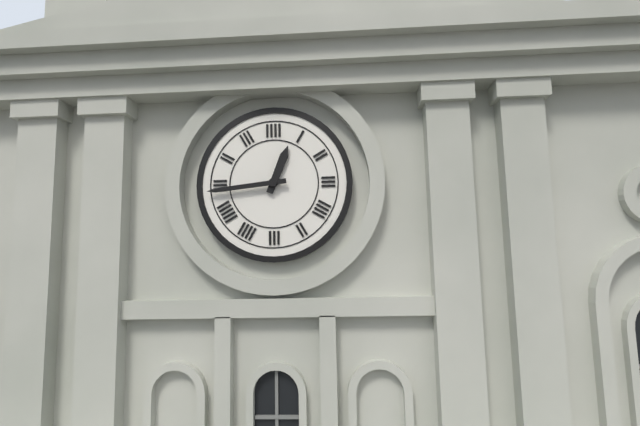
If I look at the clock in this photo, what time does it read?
12:44
